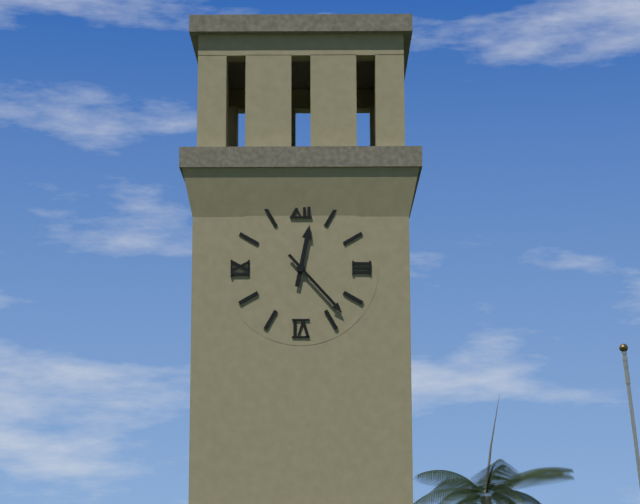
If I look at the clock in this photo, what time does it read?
12:23
